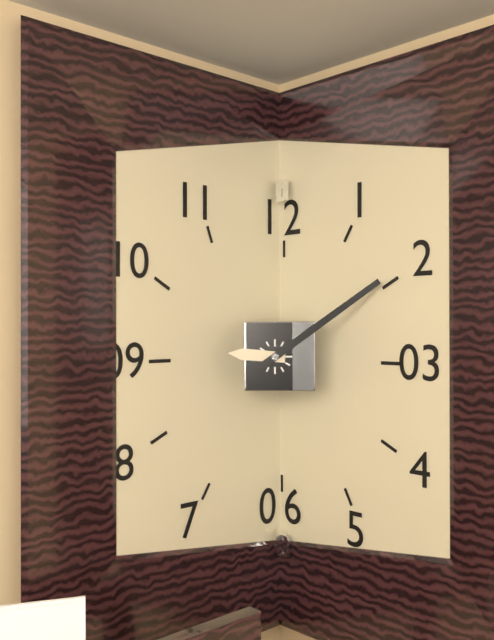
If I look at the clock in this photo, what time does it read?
9:09
